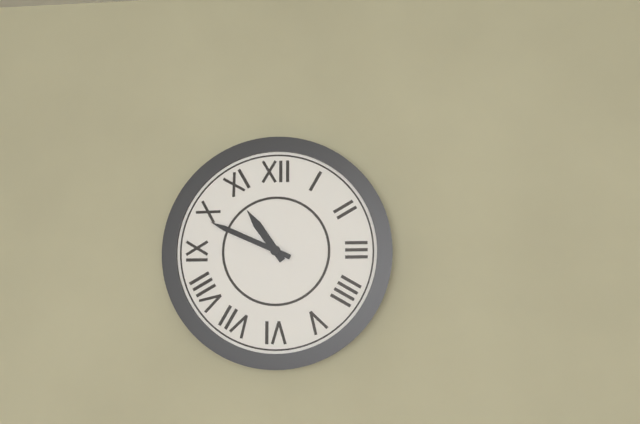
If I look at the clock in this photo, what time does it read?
10:49
